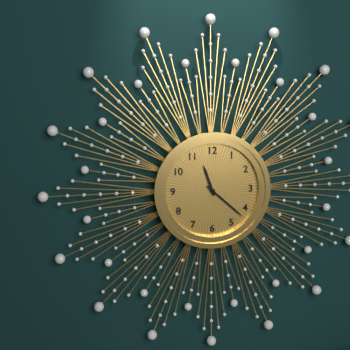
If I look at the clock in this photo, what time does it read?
11:22
